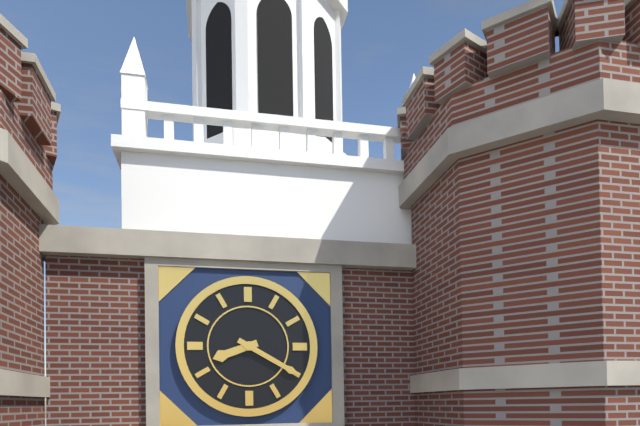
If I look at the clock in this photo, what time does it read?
8:20
